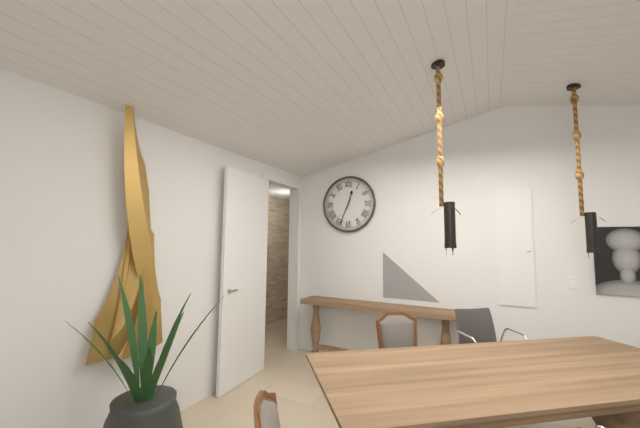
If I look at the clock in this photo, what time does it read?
12:34
